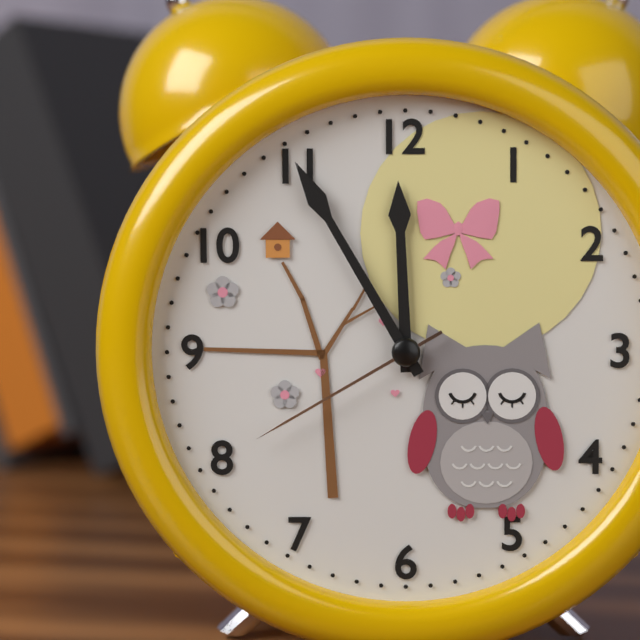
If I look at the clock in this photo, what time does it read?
11:55:40
